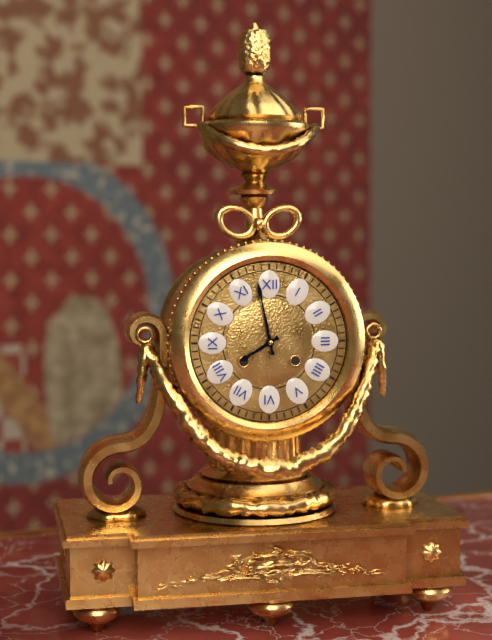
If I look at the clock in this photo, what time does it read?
7:58
